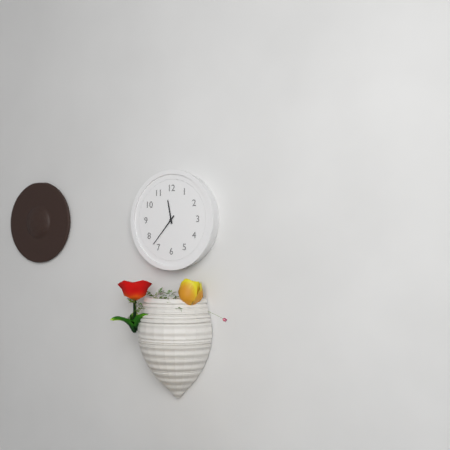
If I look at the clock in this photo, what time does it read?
11:37
